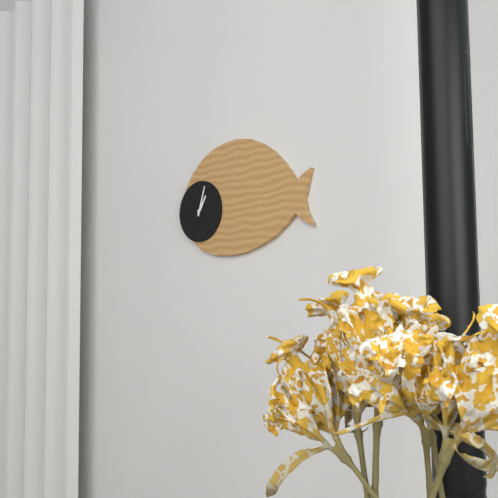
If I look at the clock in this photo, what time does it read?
1:03
